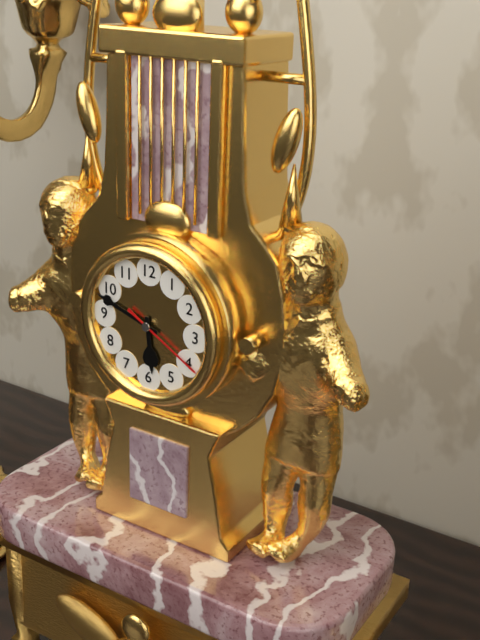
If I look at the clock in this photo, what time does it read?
5:48:20
